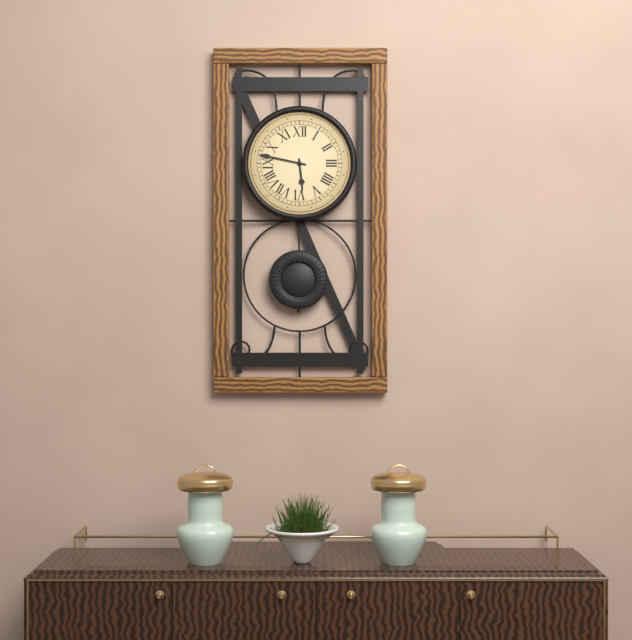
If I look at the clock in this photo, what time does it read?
5:47
